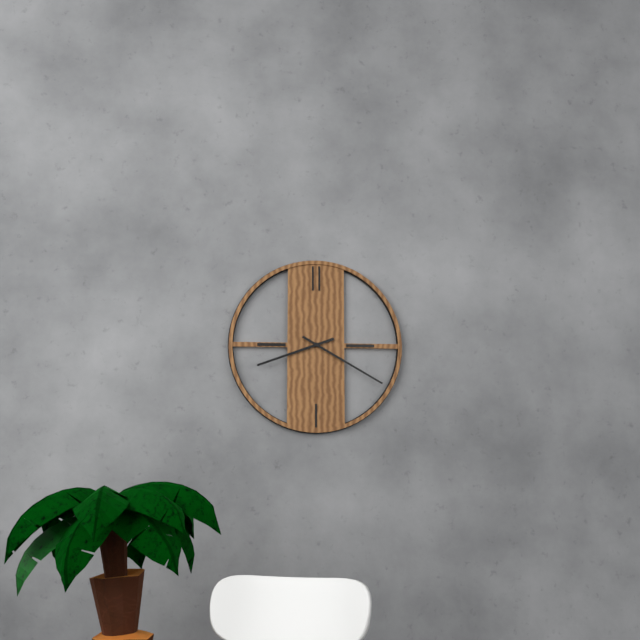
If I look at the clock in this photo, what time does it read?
8:20
